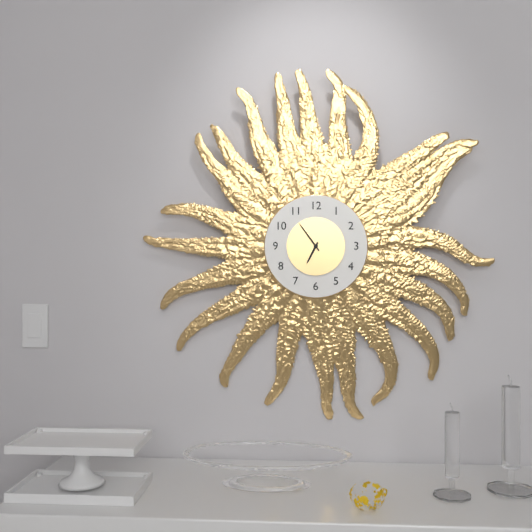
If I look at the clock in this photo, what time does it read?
6:54
